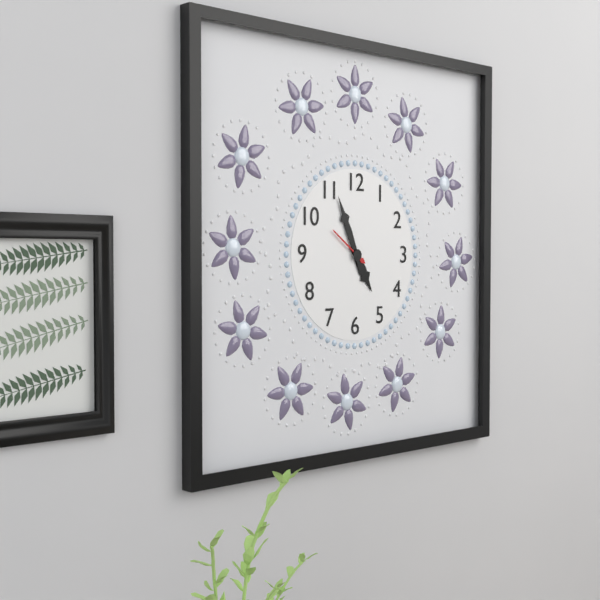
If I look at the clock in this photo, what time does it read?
4:56
